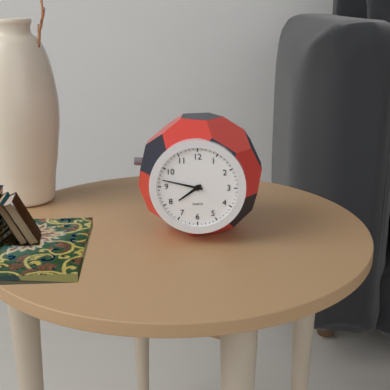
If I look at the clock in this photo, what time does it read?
7:47
